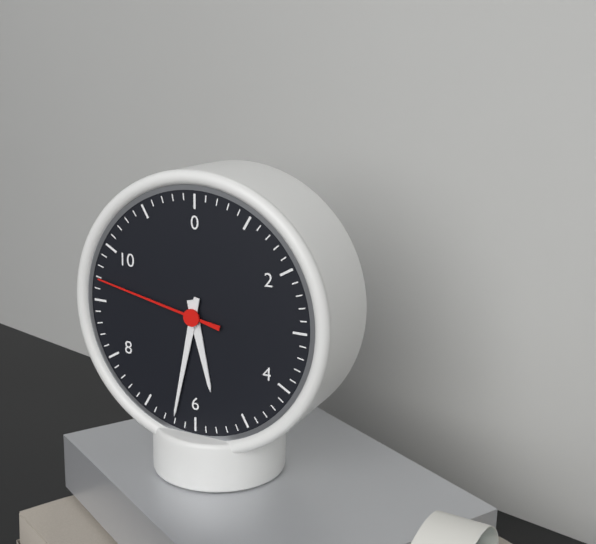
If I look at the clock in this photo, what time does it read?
5:32:47
